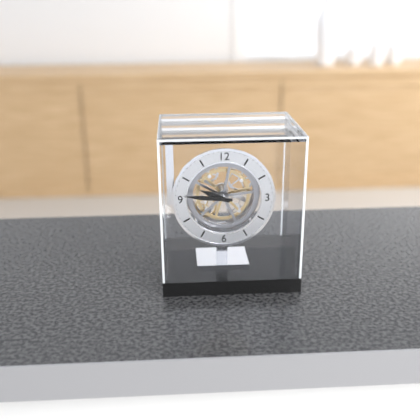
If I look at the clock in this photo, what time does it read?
9:46
